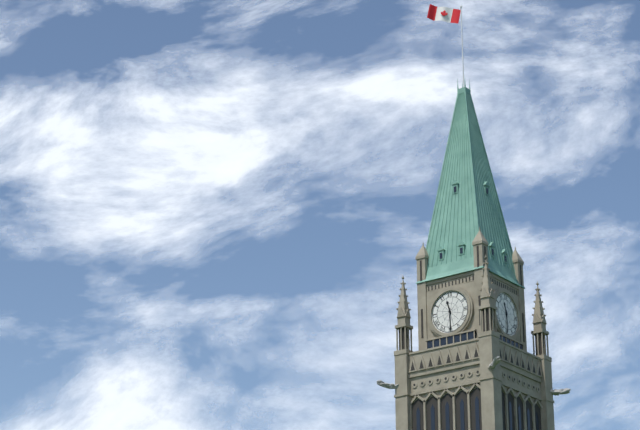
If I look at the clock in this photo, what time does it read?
11:30
